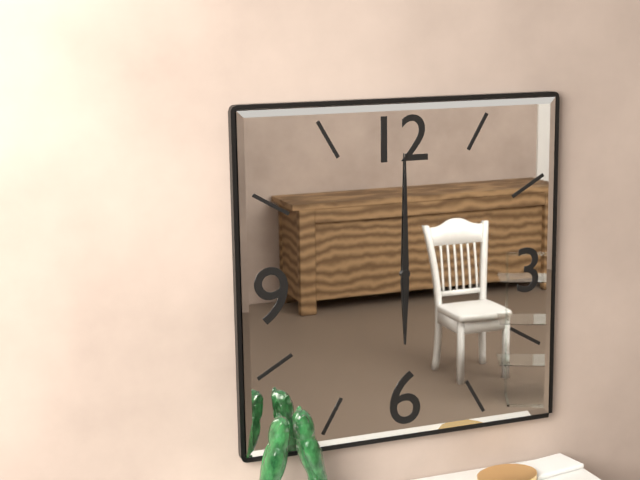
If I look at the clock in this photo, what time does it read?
6:00
